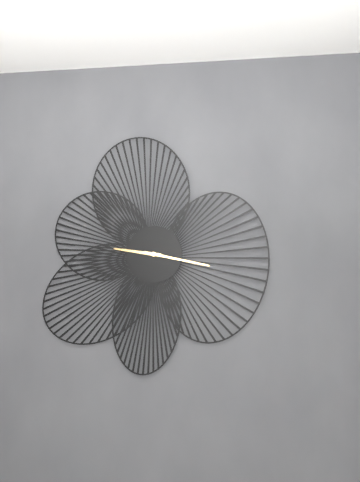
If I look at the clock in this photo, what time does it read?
9:17
